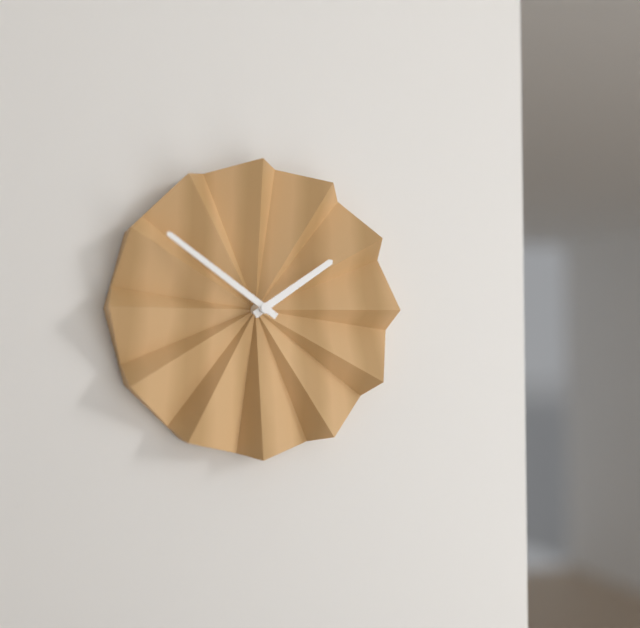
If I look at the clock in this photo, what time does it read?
1:51
